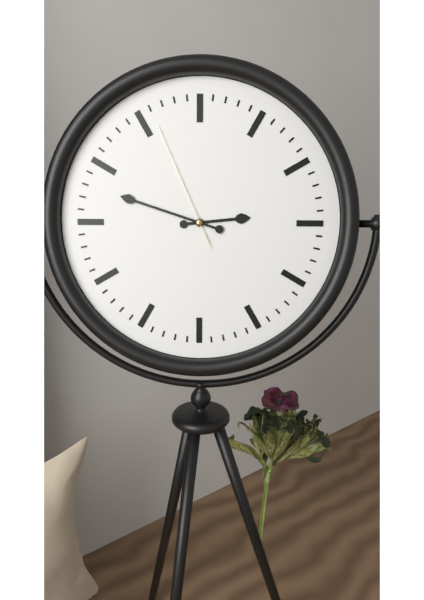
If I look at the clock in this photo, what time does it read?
2:48:56
